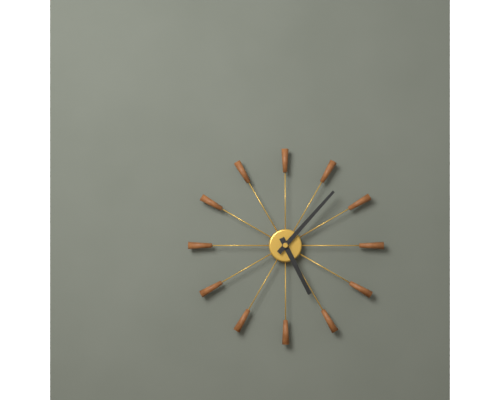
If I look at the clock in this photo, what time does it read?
5:07
